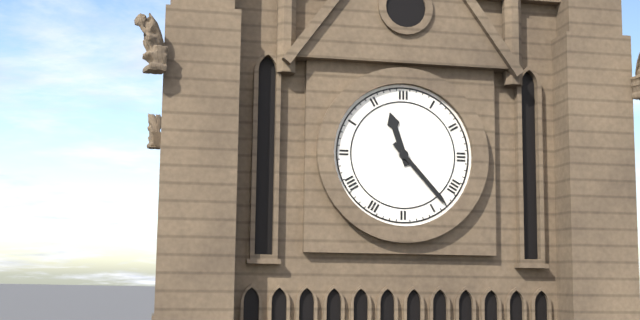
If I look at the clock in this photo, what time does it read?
11:23
